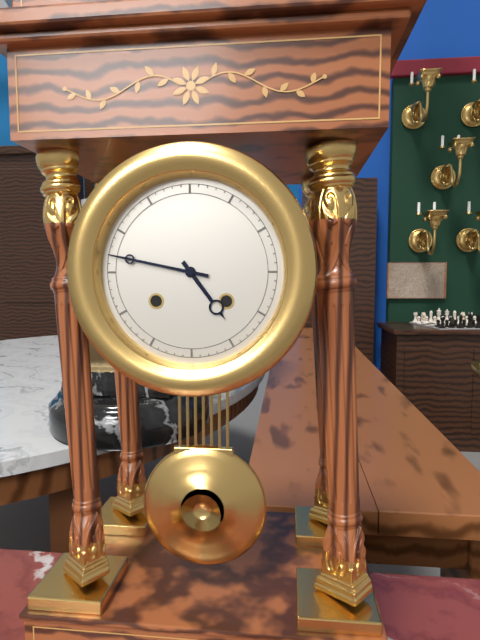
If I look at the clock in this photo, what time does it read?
4:47
